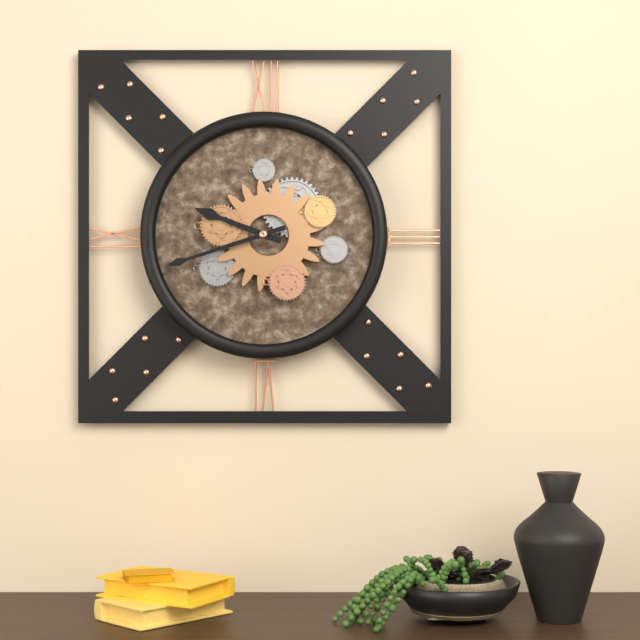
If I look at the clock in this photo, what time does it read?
9:42
